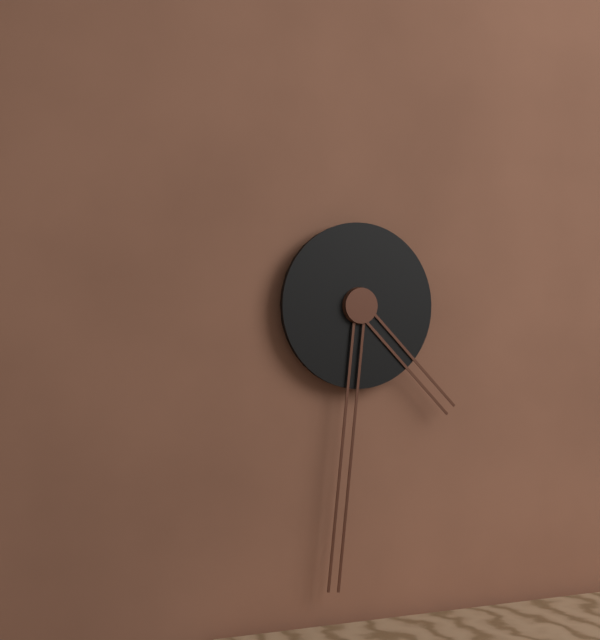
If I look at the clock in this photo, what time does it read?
4:31
